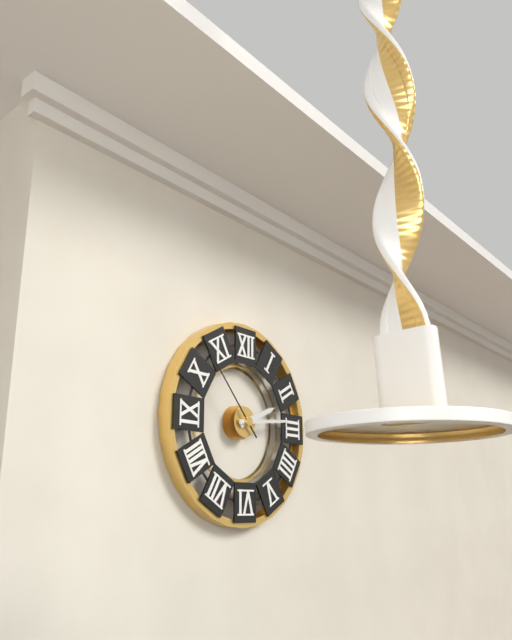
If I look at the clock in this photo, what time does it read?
2:14:53
